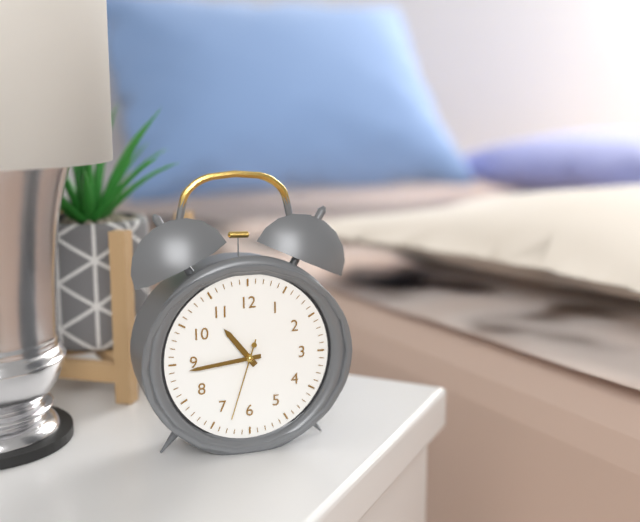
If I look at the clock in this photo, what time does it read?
10:44:33
